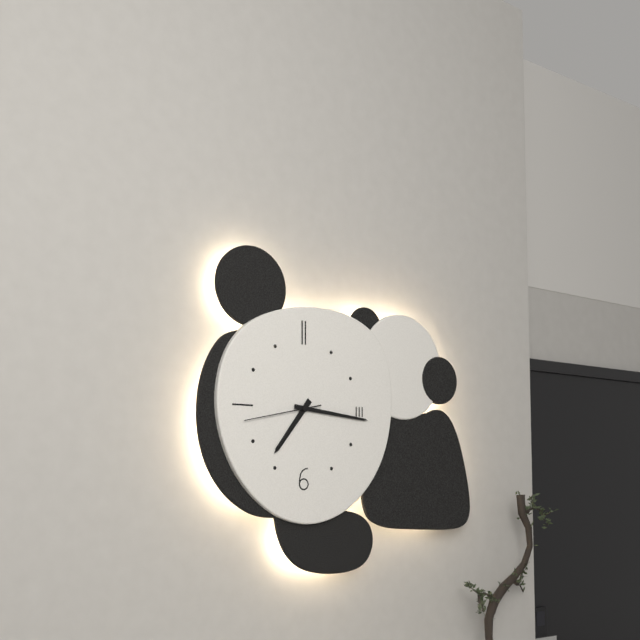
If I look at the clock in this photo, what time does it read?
7:16:43
